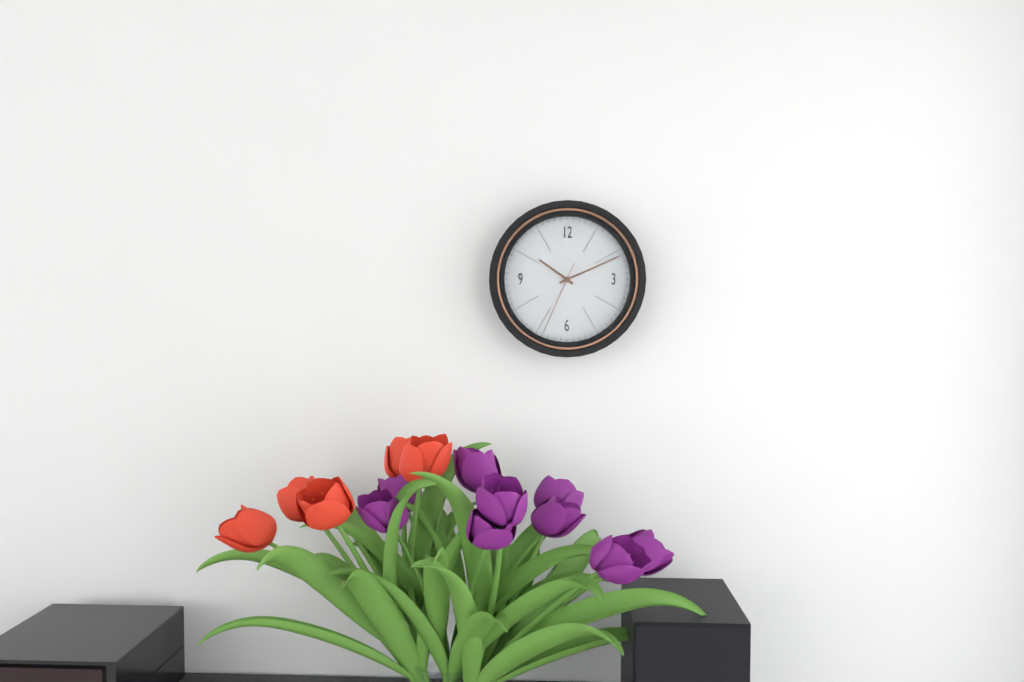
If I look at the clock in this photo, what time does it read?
10:11:34
